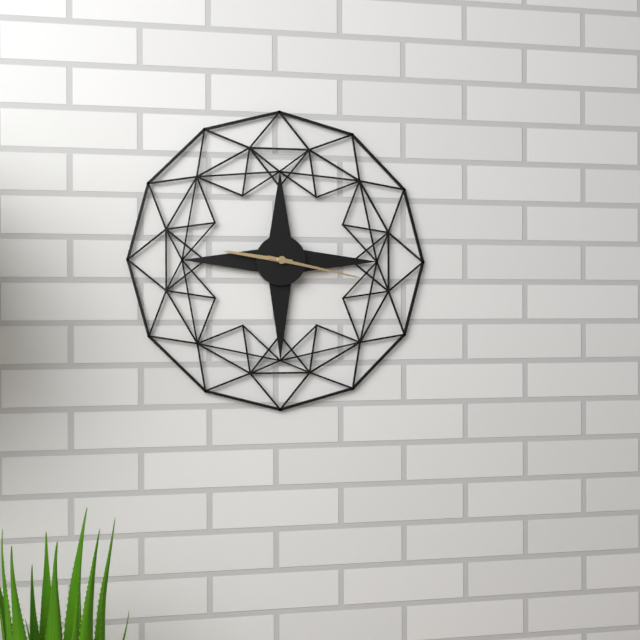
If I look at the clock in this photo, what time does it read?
9:17
